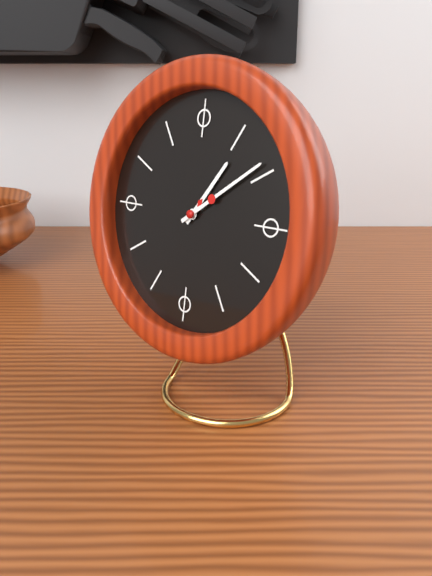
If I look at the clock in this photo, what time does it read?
1:09
